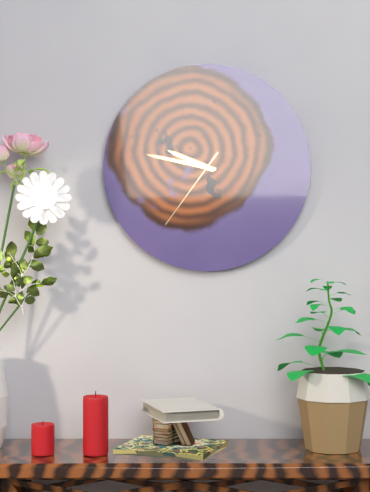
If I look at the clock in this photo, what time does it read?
9:47:36
